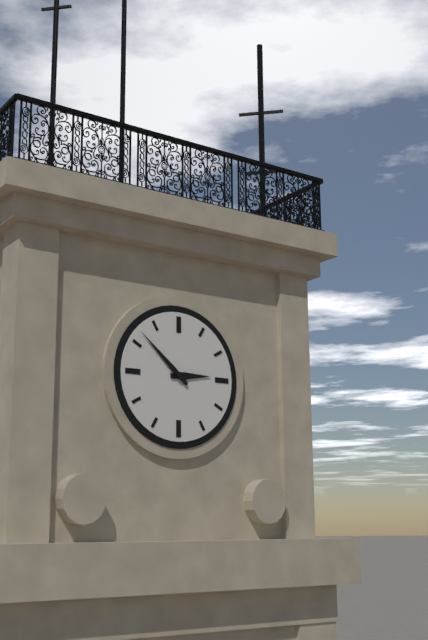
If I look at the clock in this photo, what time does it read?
2:52
